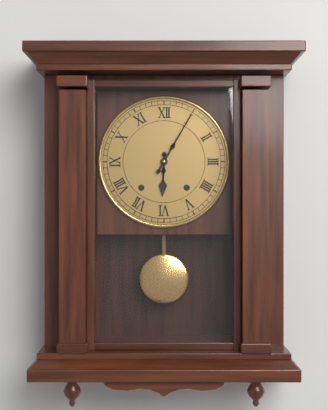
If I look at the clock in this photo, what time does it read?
6:05
